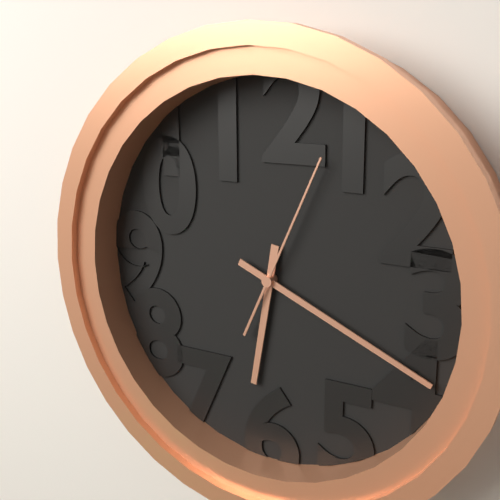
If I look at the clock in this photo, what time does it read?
6:19:04
